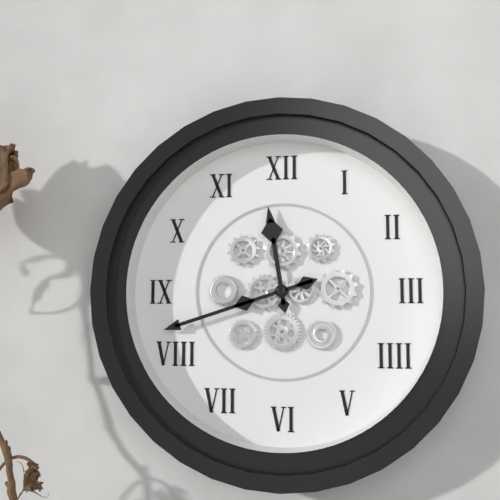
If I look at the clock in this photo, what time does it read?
11:42
